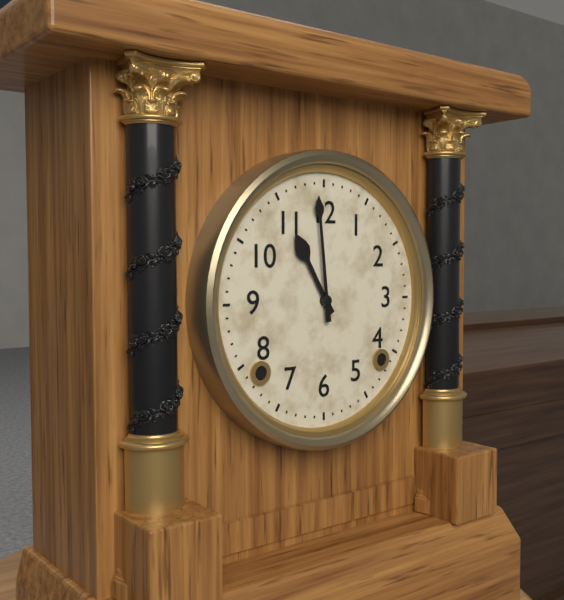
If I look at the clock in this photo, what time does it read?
10:59
